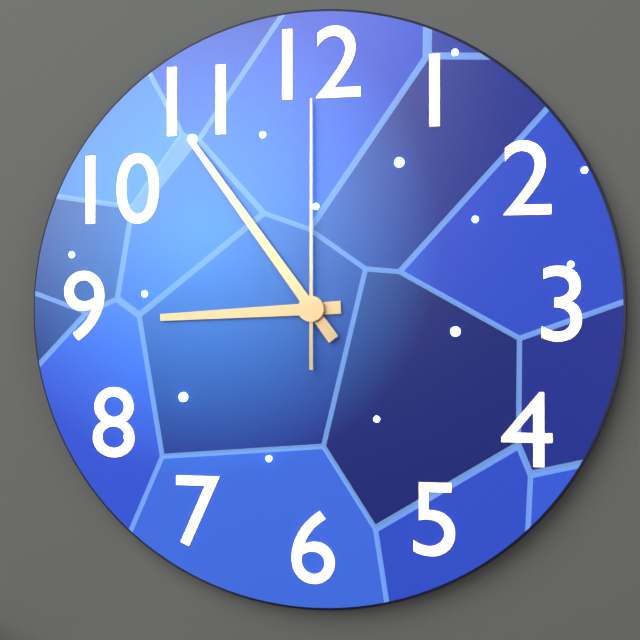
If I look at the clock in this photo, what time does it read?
8:54:00
